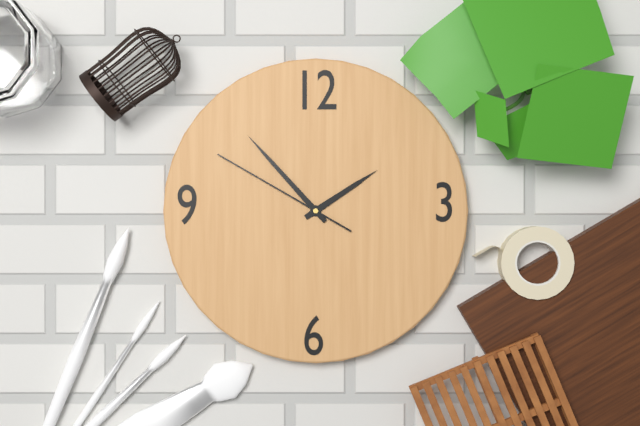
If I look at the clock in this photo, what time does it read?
1:53:50
